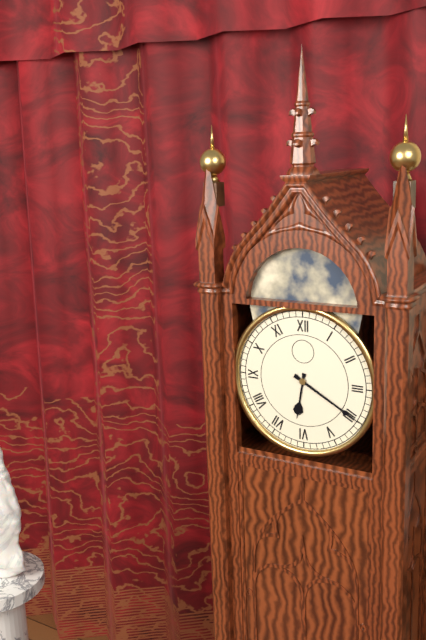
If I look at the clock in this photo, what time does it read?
6:20
